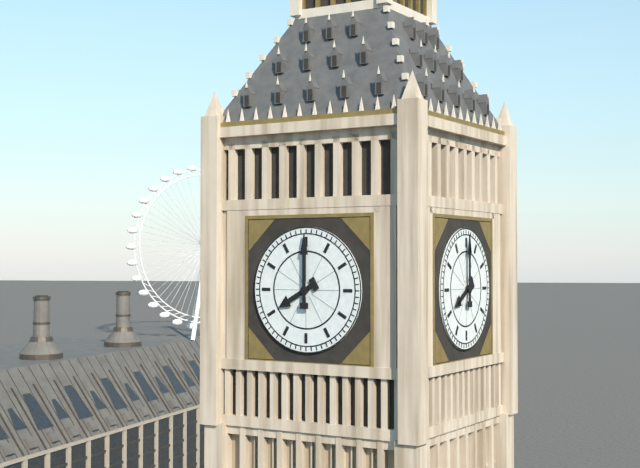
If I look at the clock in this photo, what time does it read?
8:00
